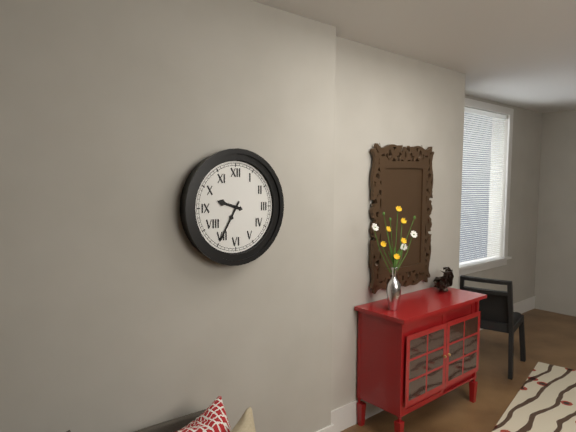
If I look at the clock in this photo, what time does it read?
9:35
